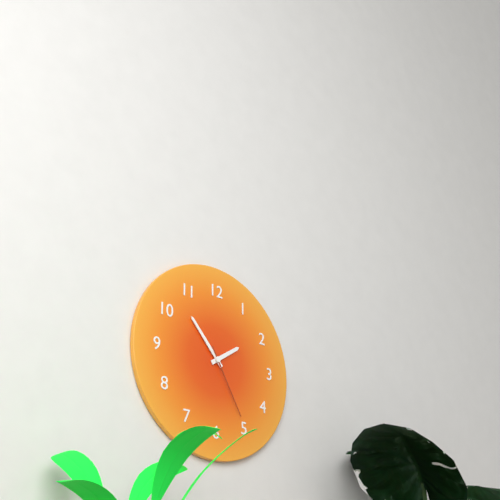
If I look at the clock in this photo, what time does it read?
1:53:25
